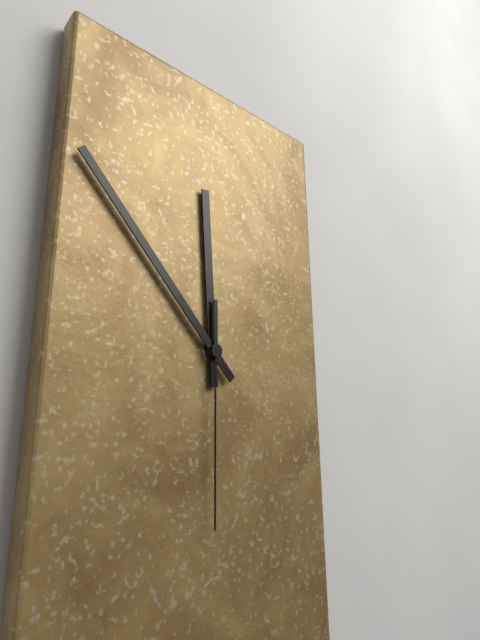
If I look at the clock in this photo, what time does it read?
11:53:30
